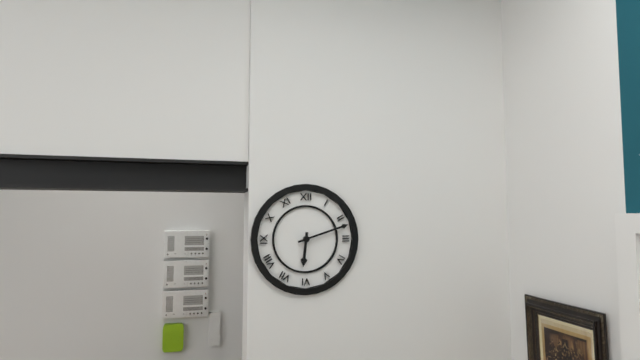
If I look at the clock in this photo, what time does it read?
6:12
